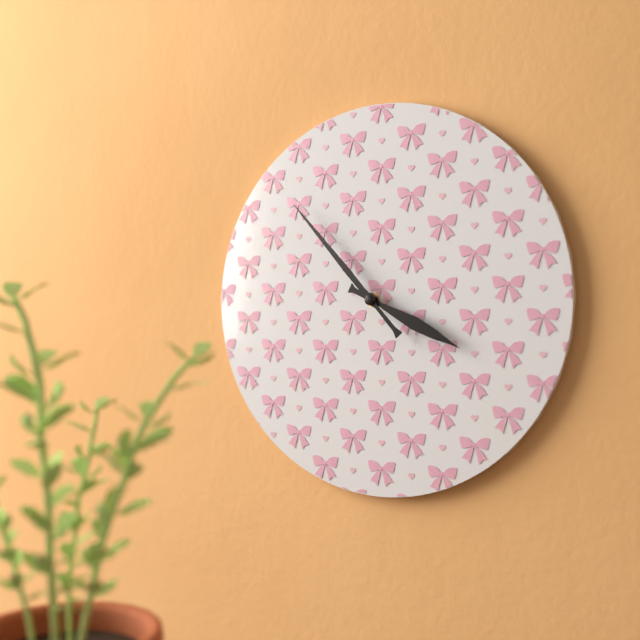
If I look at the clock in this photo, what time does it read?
3:53
